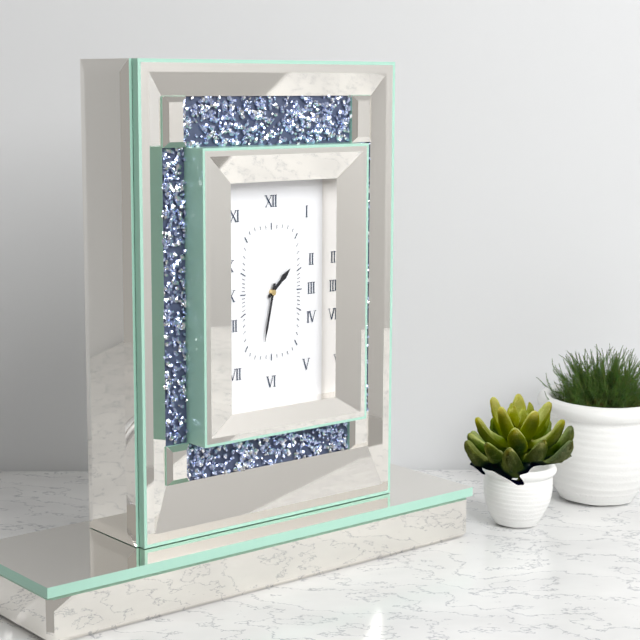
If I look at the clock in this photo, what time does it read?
1:32
